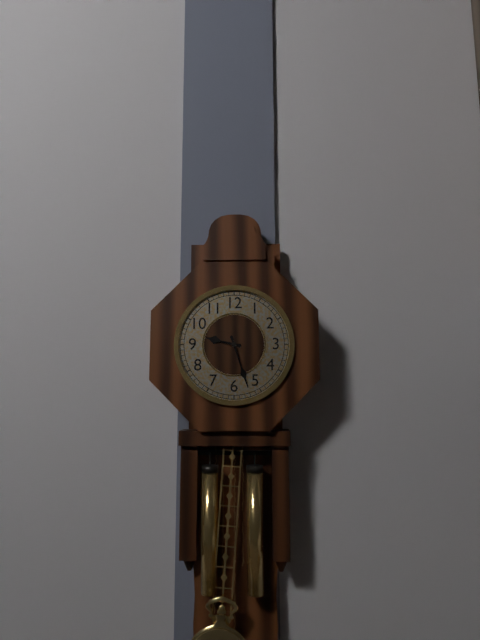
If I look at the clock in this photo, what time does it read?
9:27
